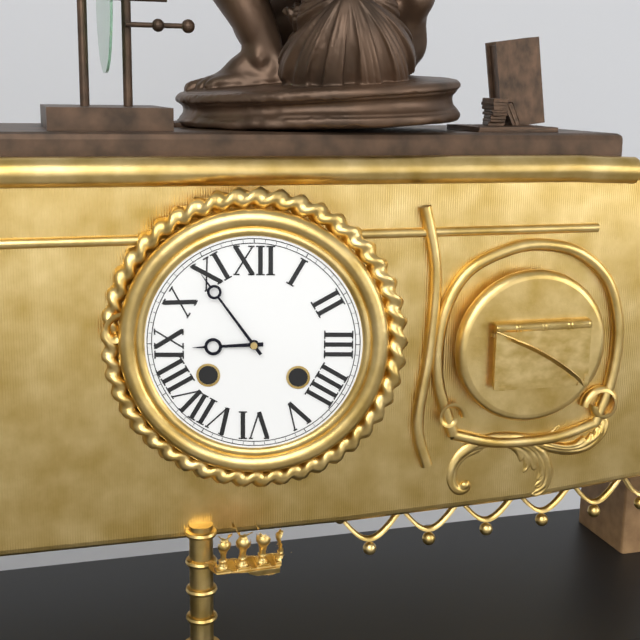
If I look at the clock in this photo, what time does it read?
8:54
